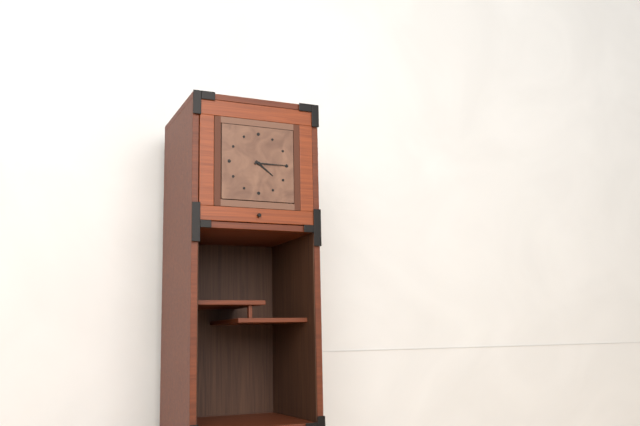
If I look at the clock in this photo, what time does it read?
4:15
